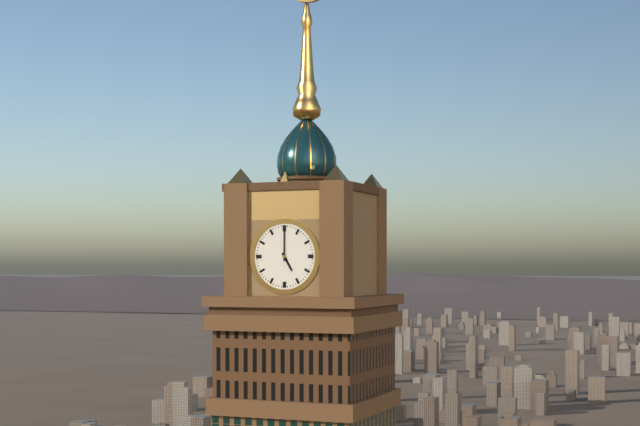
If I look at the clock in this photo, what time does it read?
5:00
